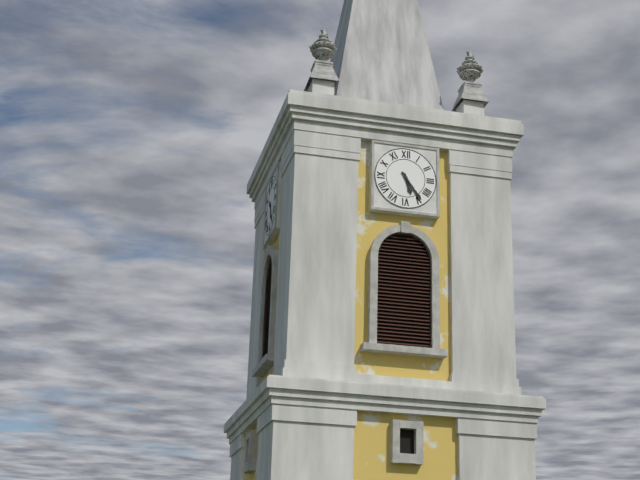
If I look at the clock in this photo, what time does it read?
5:24
